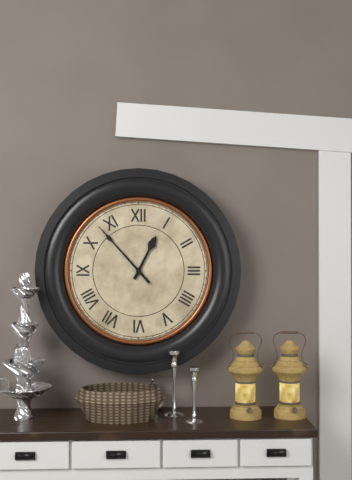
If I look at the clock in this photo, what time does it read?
12:53
